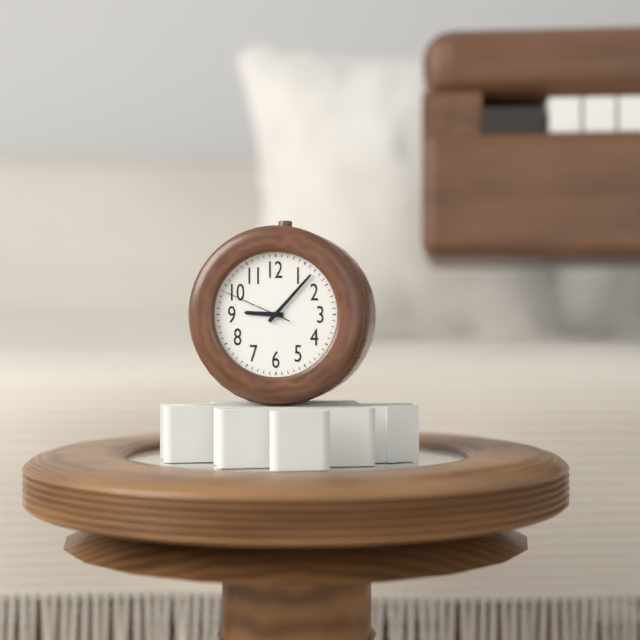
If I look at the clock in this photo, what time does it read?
9:07:49
